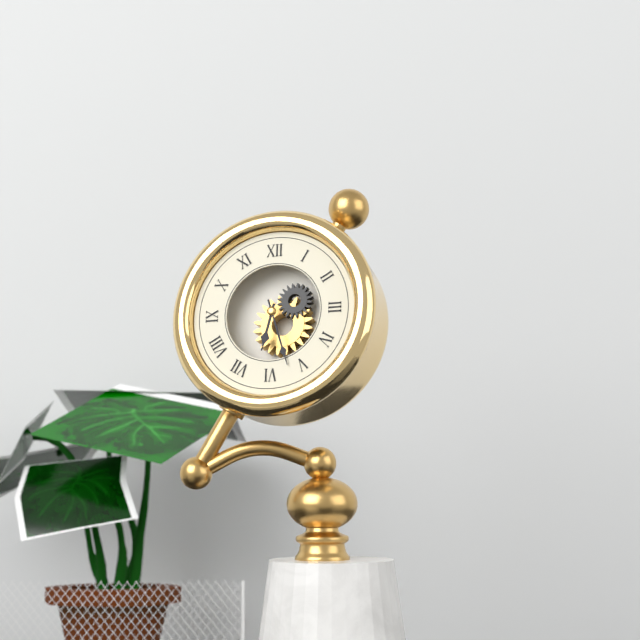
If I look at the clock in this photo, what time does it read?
6:27
